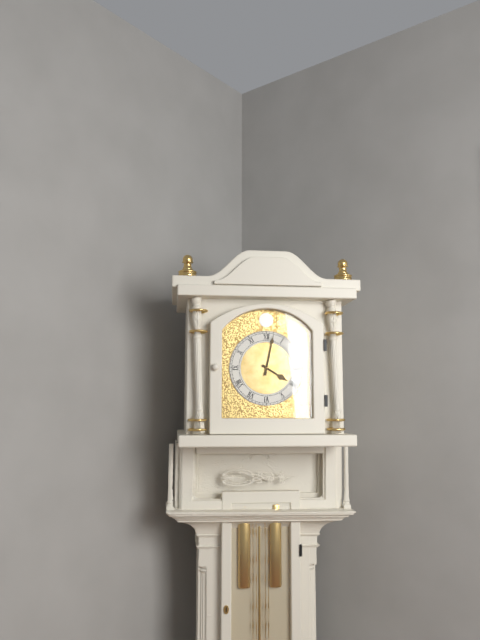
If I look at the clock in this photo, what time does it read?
4:02
